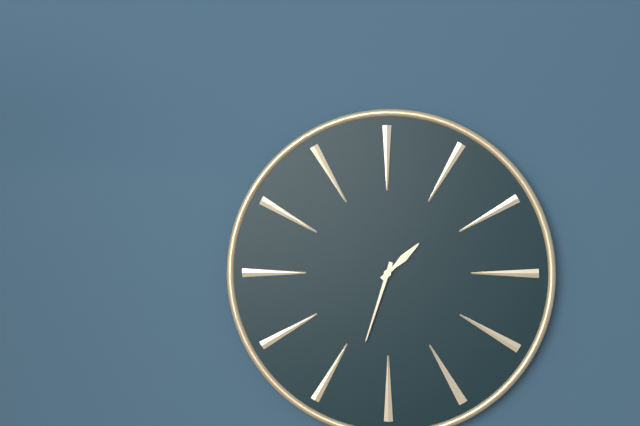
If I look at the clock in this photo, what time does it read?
1:33
